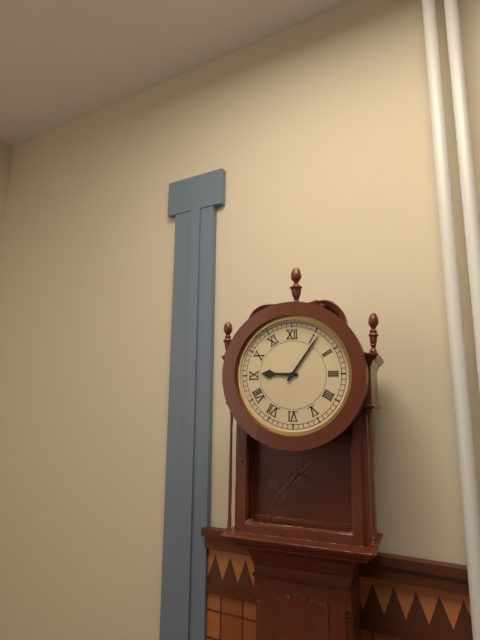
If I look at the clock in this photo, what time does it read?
9:06
